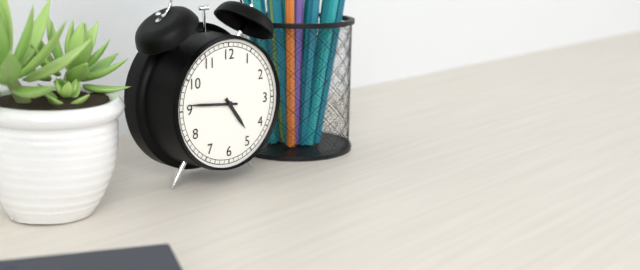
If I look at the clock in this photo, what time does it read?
4:46
